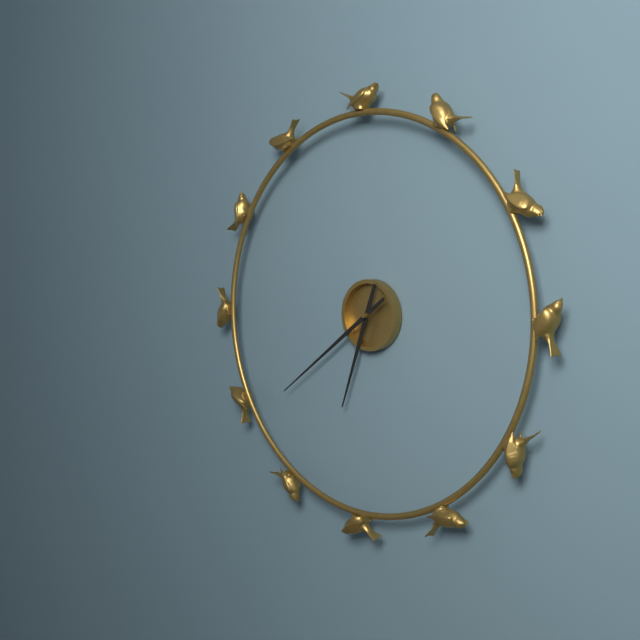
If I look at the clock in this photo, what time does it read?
6:39
